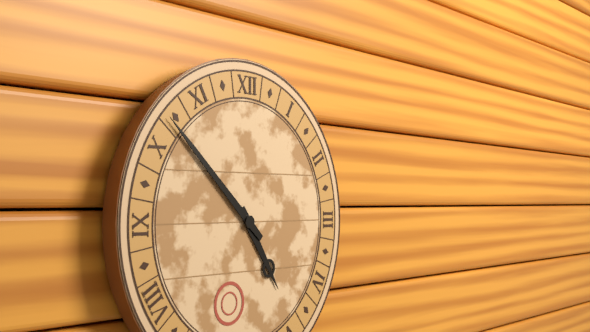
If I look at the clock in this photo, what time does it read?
4:52
